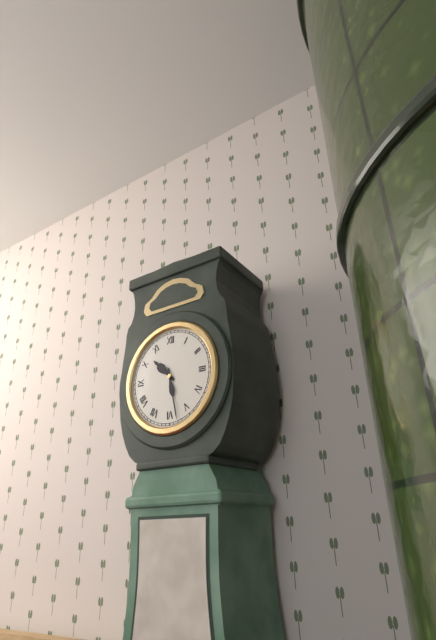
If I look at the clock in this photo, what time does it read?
10:28
